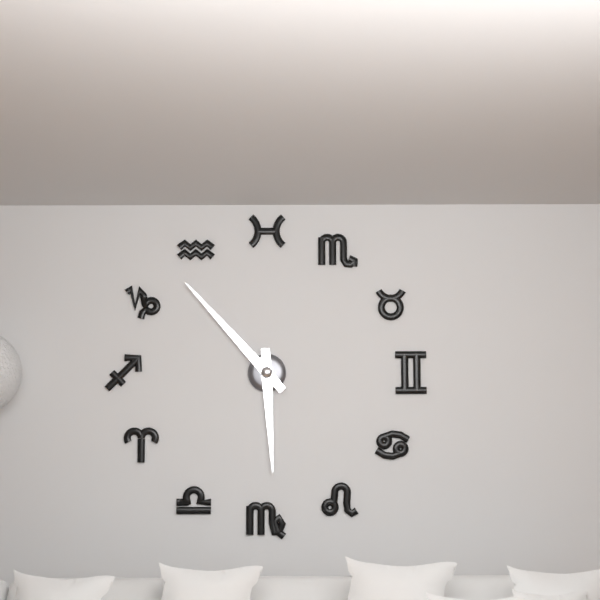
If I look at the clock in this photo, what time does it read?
5:53
